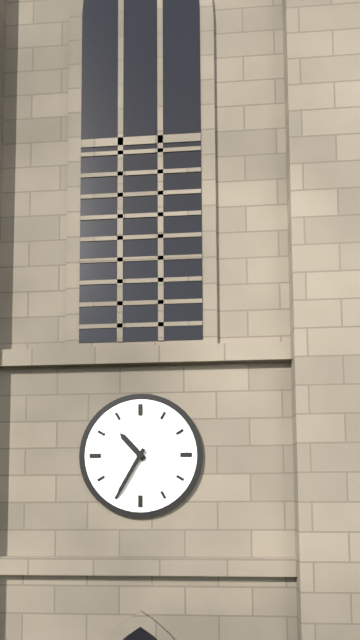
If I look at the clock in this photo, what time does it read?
10:35
